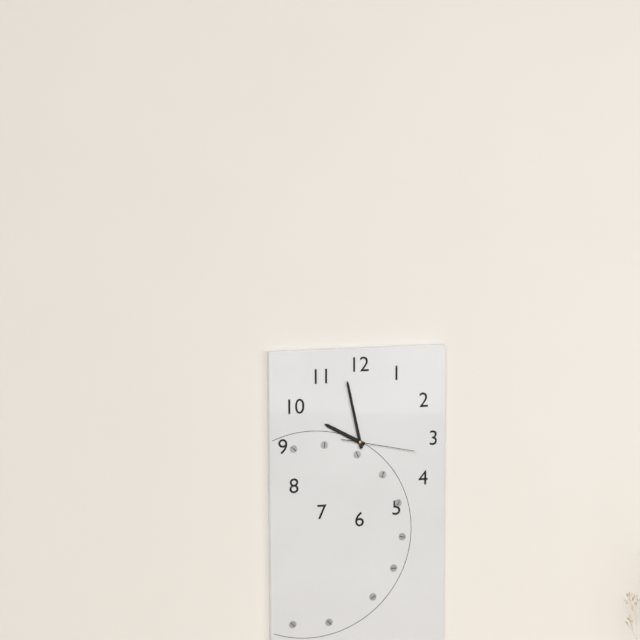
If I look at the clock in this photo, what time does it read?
9:58:17
